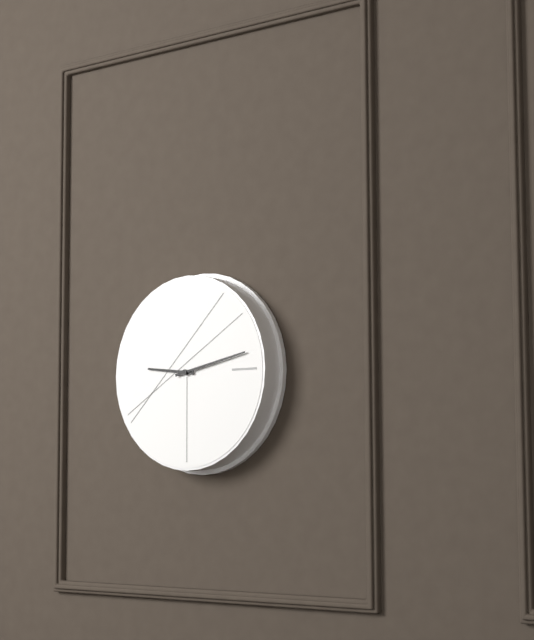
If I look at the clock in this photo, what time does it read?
9:13
